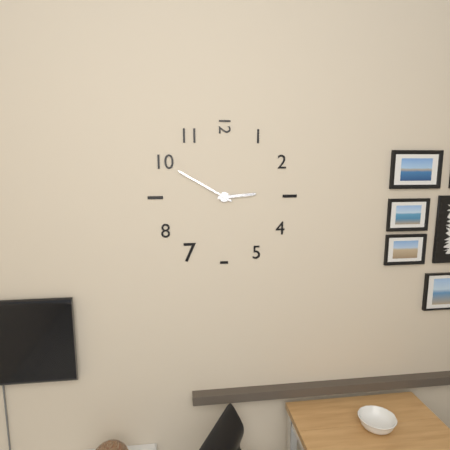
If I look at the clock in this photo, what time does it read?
2:50
